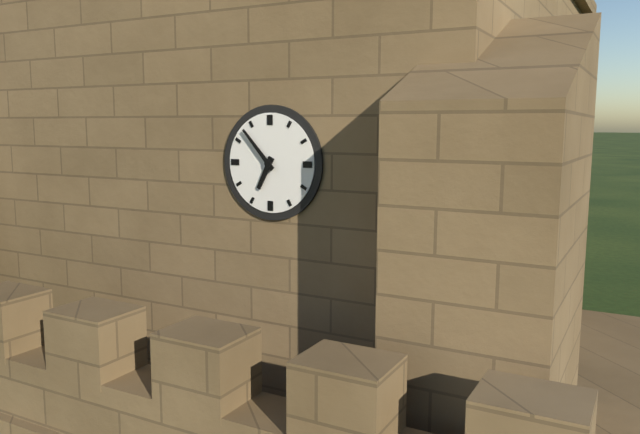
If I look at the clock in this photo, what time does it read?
6:53
